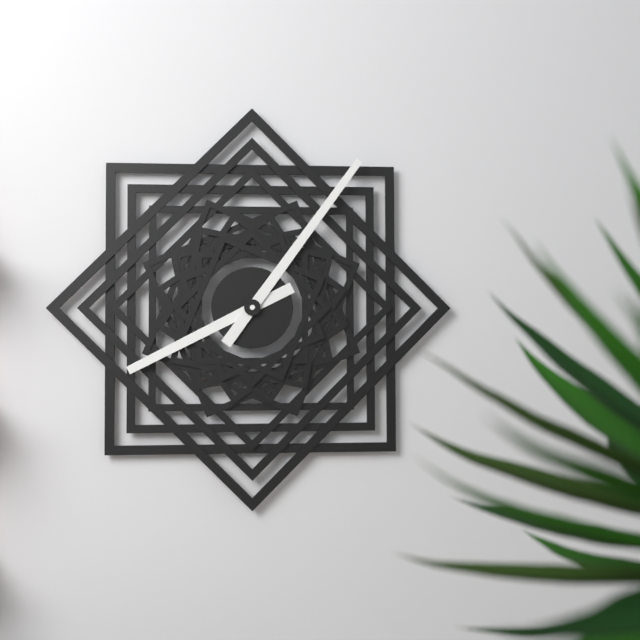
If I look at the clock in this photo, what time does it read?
8:06
